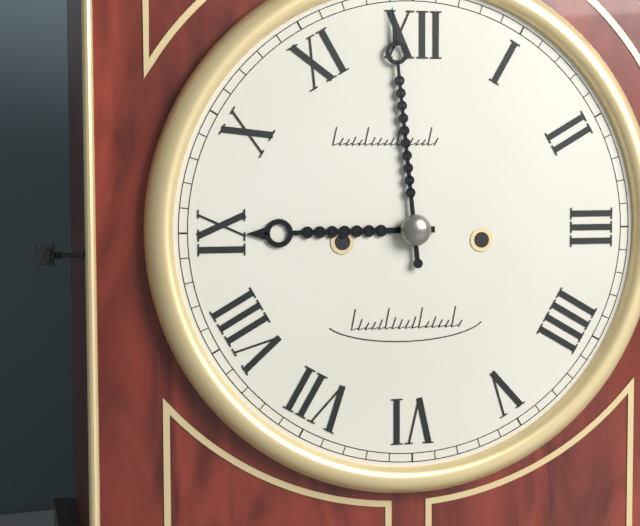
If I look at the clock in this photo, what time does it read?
8:59
